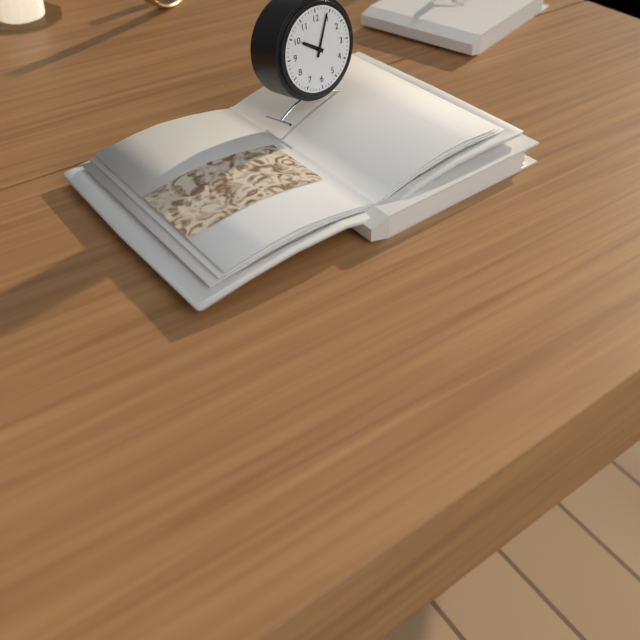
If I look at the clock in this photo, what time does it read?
10:04
